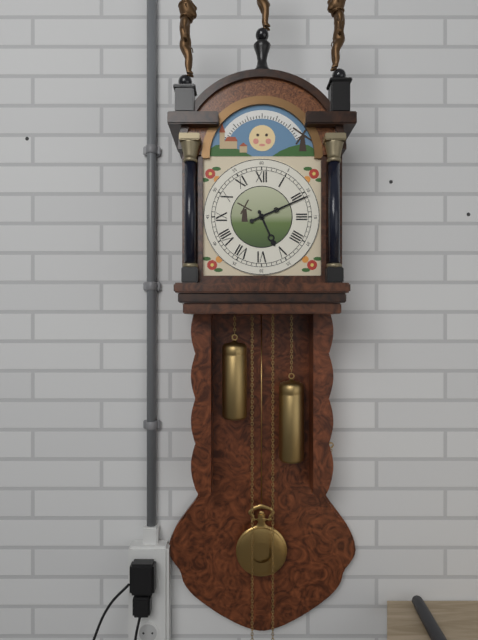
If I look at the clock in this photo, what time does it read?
5:11
